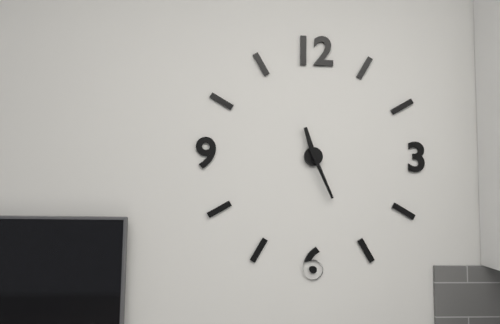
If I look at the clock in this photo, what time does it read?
11:26
